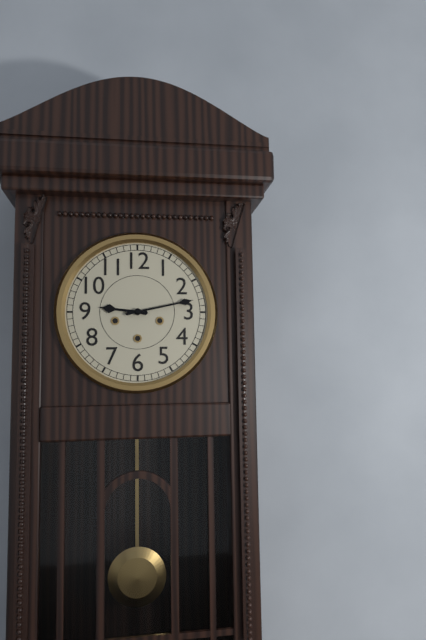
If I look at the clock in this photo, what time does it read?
9:13
